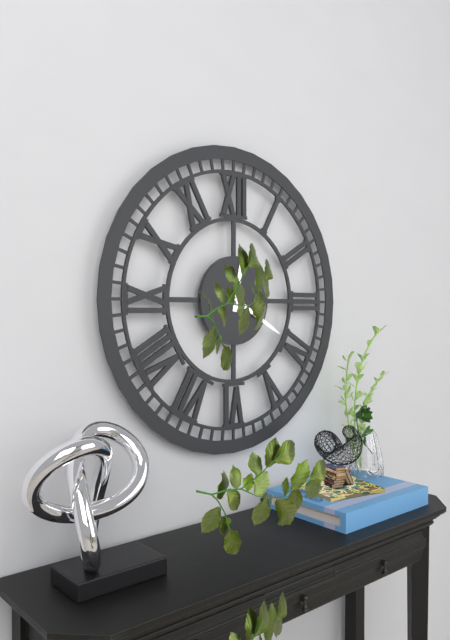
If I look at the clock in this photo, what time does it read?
12:20
